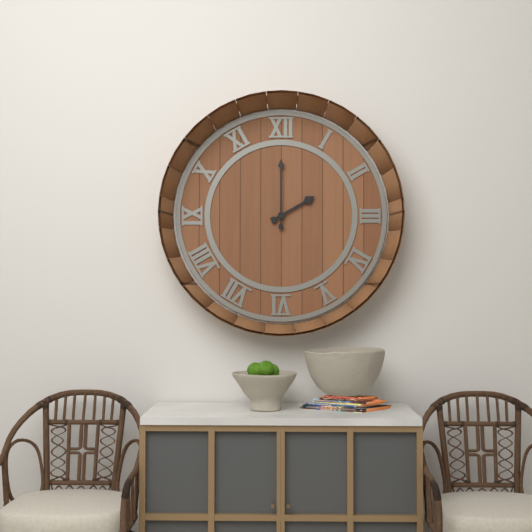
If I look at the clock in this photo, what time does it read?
2:00
